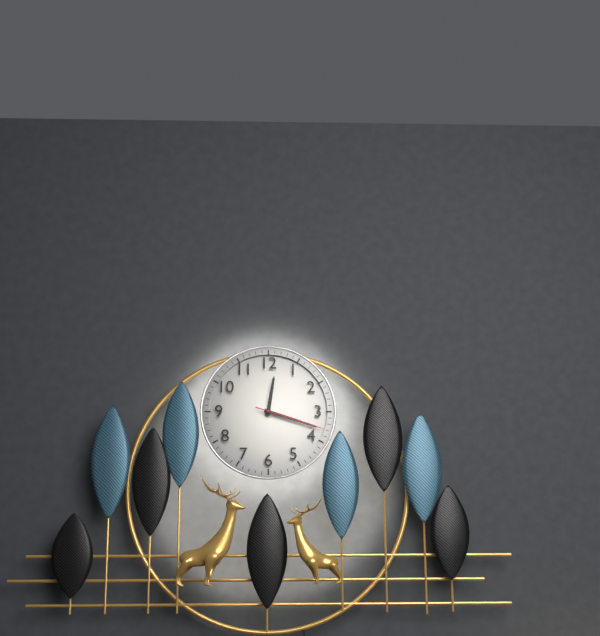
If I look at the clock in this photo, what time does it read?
12:18:18
